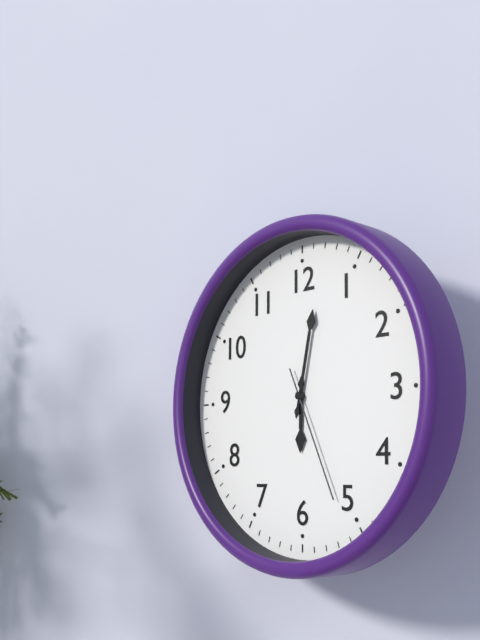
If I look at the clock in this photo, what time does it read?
6:02:26
